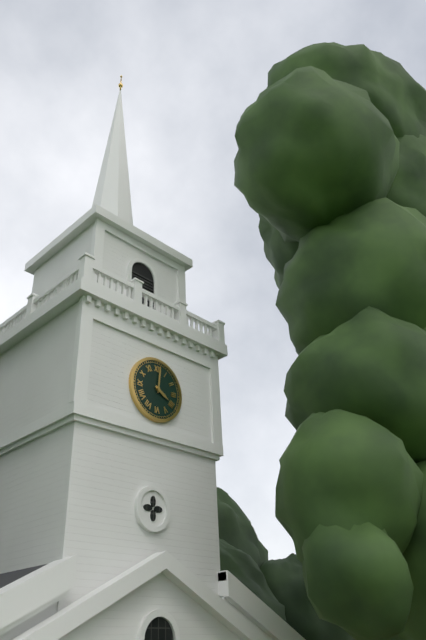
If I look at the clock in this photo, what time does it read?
4:01
